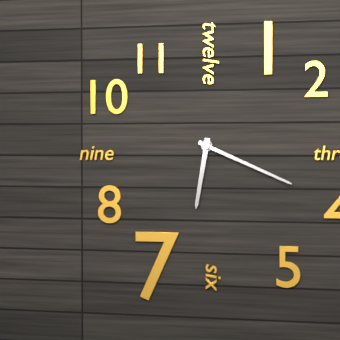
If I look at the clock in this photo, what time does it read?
6:19
